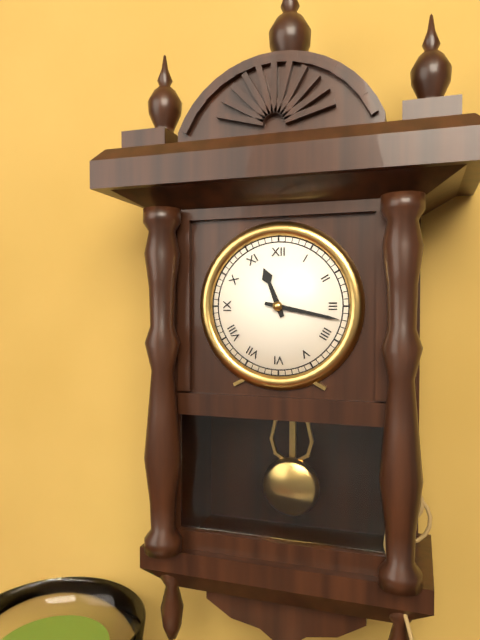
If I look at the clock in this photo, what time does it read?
11:17
